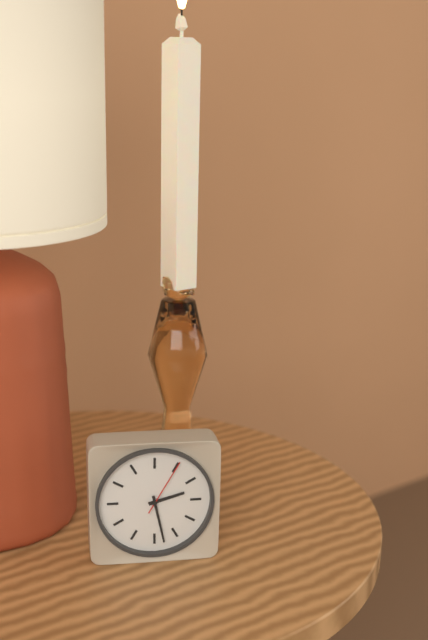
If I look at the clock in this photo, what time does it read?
2:28:05
